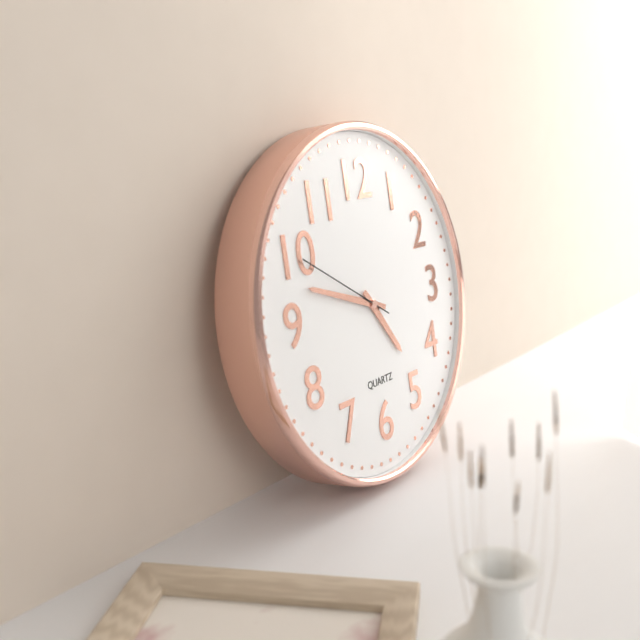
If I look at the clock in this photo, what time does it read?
4:48:50
